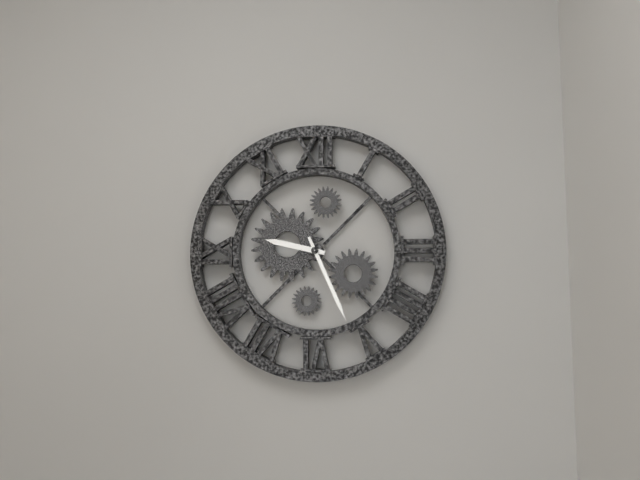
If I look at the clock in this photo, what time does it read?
9:26
